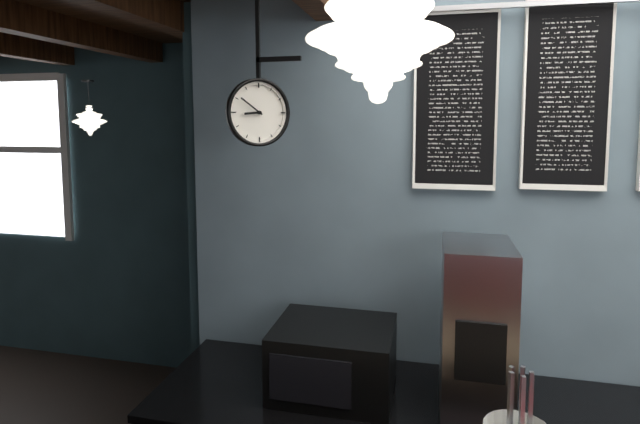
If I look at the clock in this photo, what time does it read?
8:51
